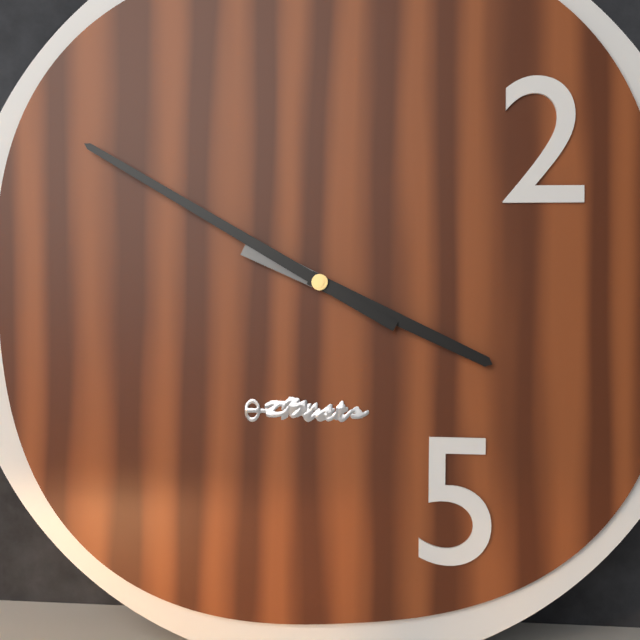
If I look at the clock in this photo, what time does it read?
3:50
